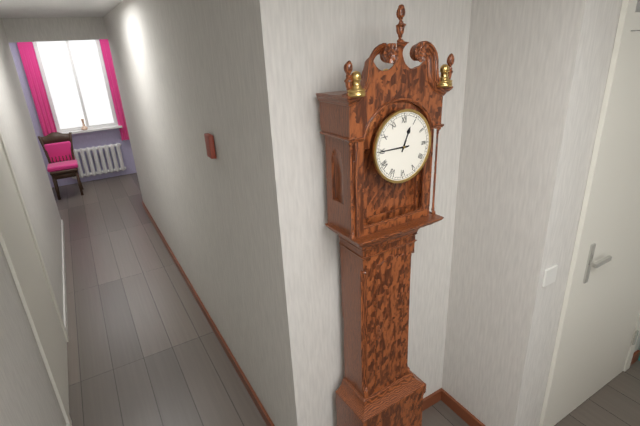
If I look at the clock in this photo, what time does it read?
12:45
